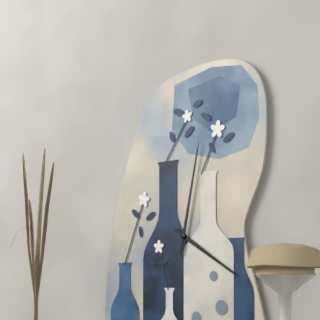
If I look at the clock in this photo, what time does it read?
4:02
